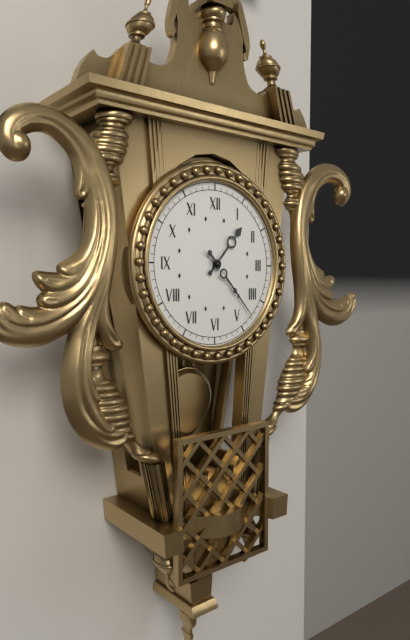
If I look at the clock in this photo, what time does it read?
1:23
